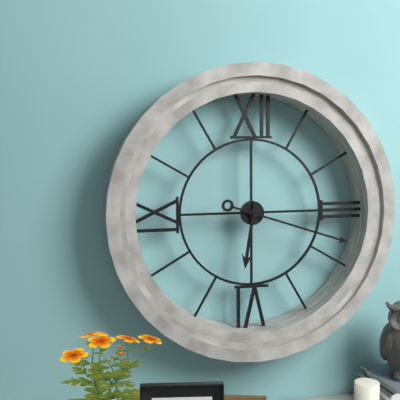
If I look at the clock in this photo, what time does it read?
6:18
